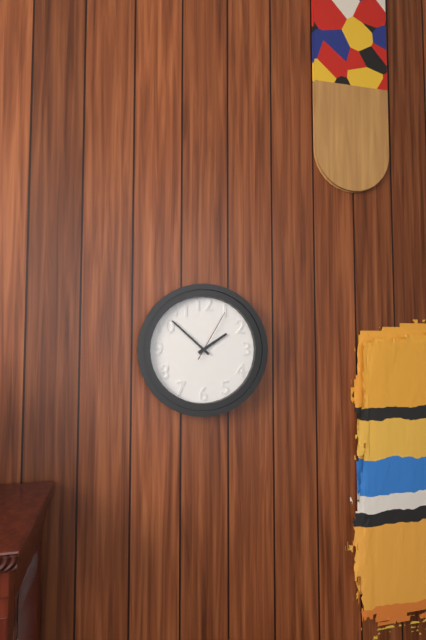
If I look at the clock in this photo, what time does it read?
1:52:05
